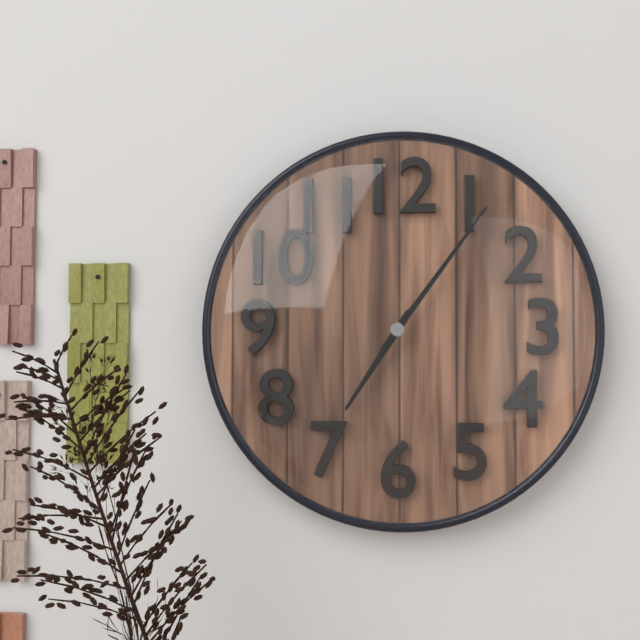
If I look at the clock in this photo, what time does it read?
7:06
